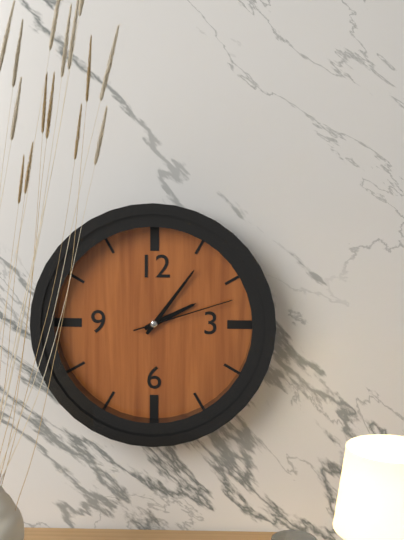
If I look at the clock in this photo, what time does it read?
2:06:12
